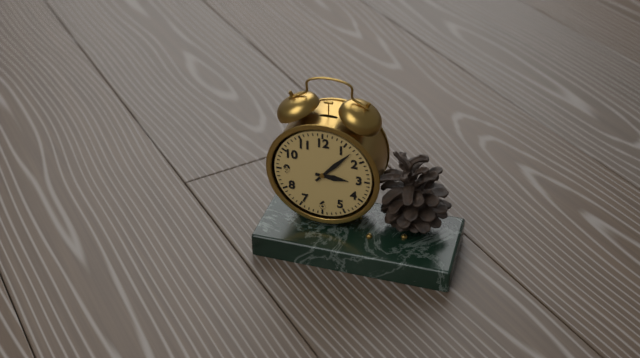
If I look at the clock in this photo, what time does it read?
3:07
